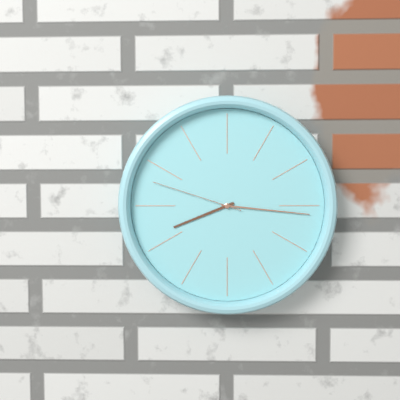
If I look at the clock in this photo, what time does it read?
8:16:48
